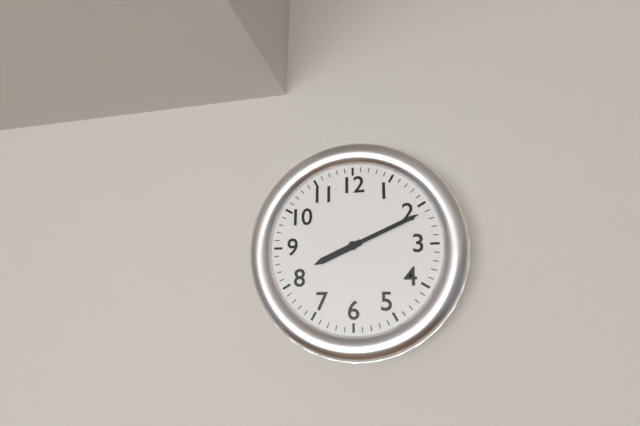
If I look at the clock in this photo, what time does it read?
8:11
